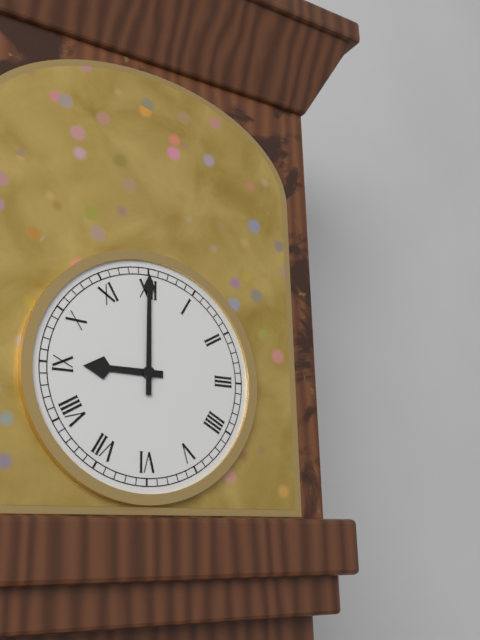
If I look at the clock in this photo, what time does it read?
9:00
